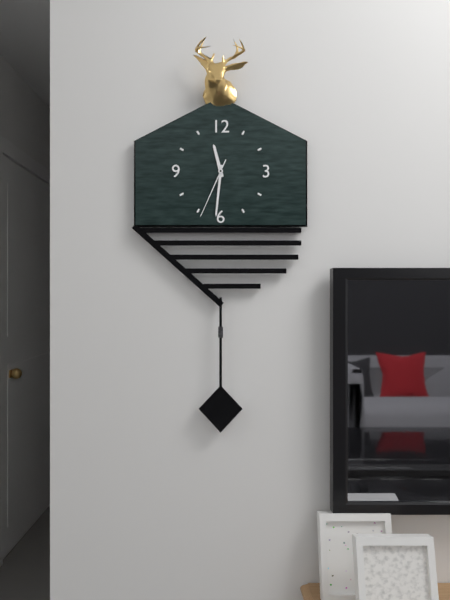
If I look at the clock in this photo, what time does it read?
11:31:34
